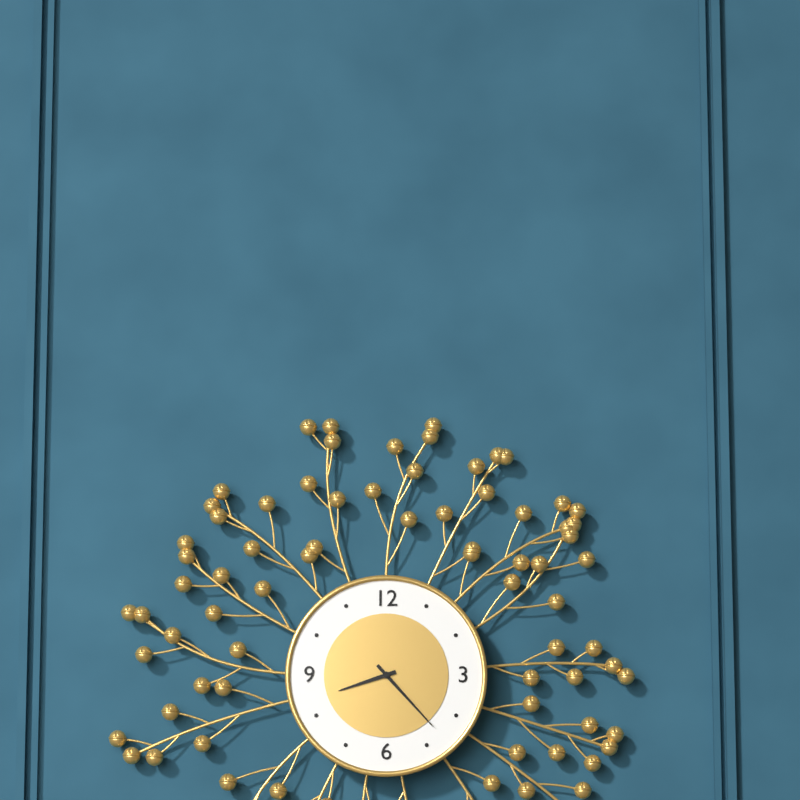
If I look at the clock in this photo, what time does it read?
8:23
